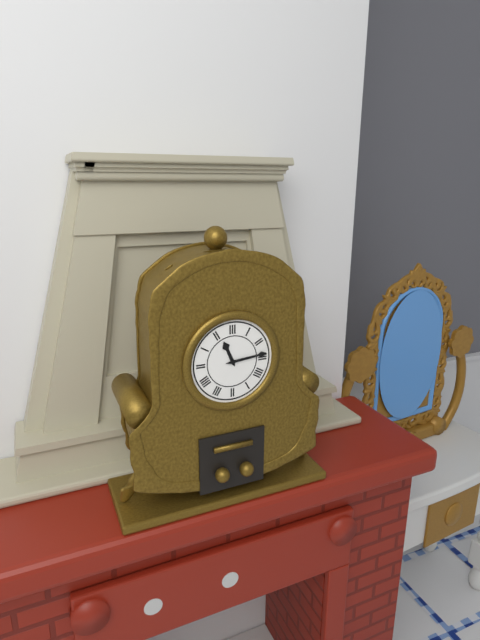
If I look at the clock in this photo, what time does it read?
11:14
